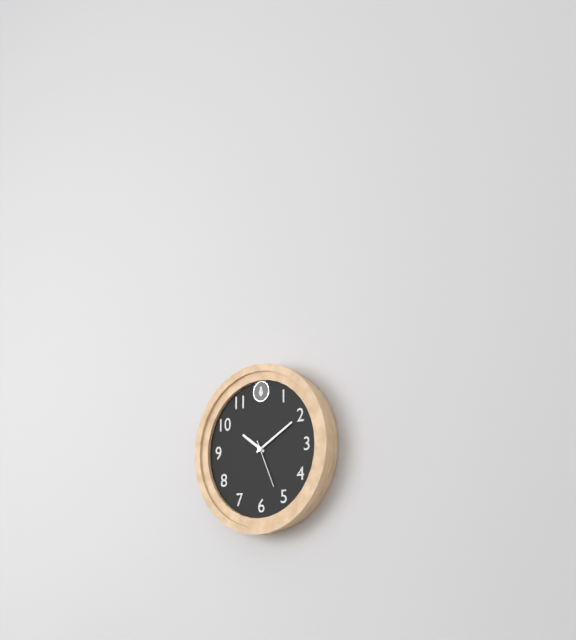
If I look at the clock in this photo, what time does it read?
10:10:26
